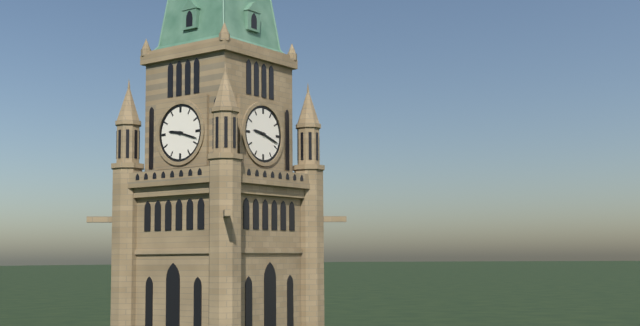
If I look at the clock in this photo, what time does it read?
9:18
